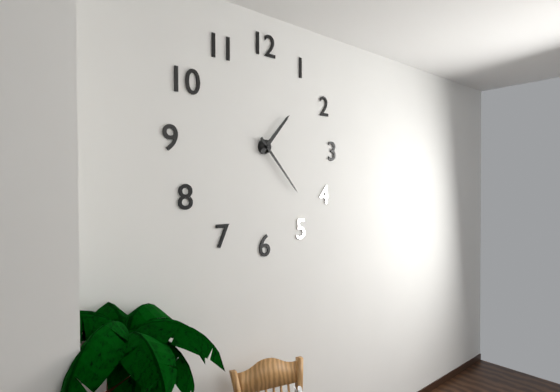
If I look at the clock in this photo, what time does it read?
1:23
